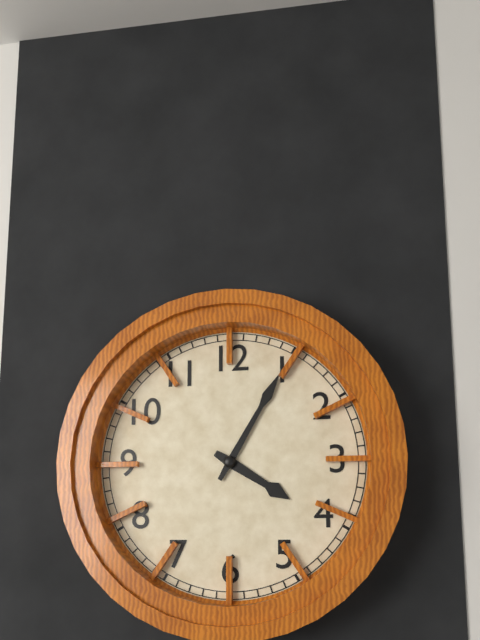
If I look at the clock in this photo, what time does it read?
4:05
